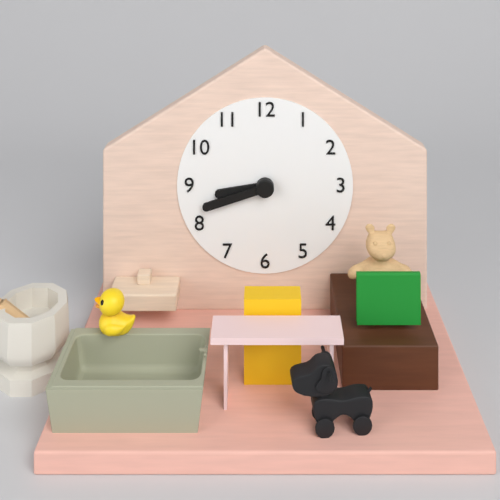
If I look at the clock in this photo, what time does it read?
8:42
